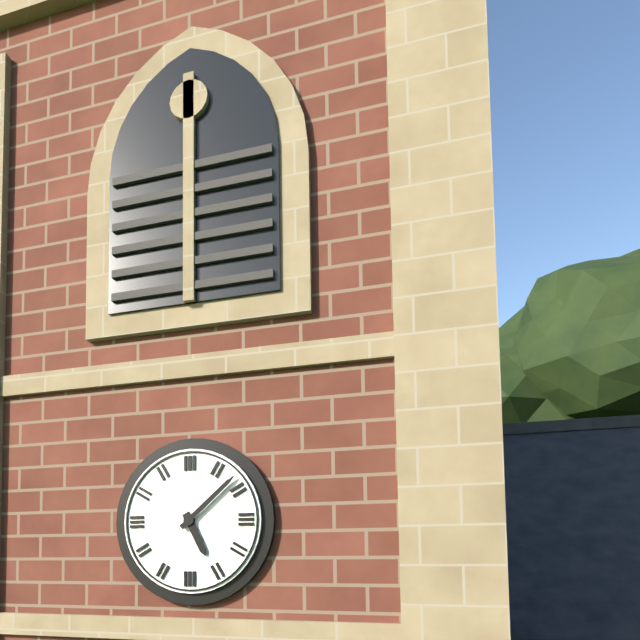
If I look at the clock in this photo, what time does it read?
5:08
